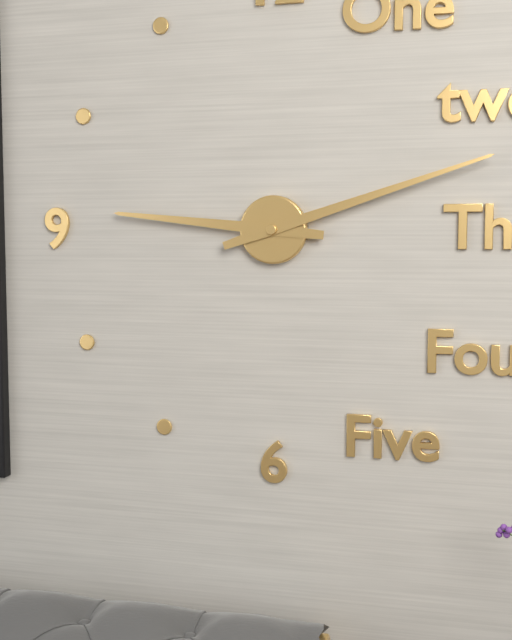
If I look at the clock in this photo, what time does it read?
9:12
